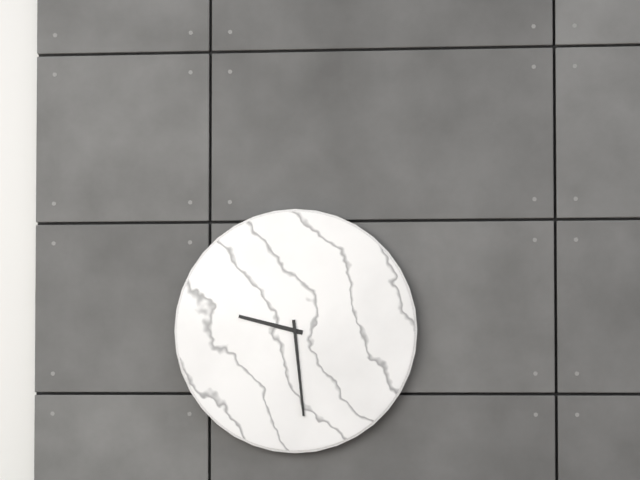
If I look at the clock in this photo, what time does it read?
9:29
